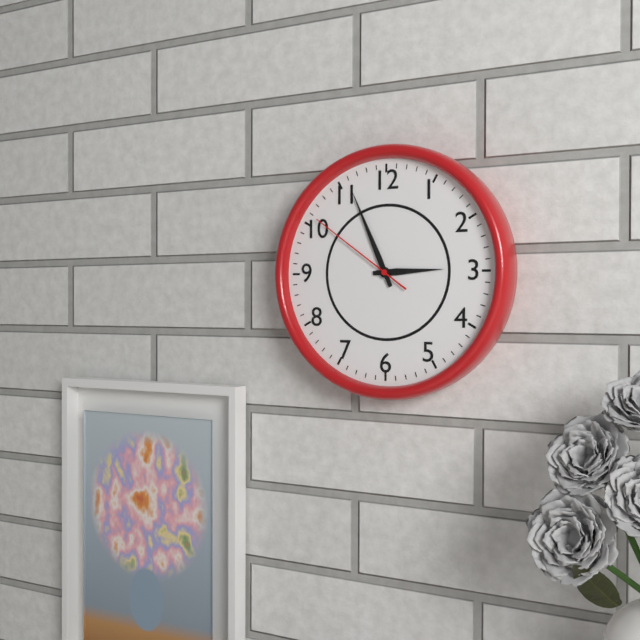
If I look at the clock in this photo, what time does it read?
2:56:51
